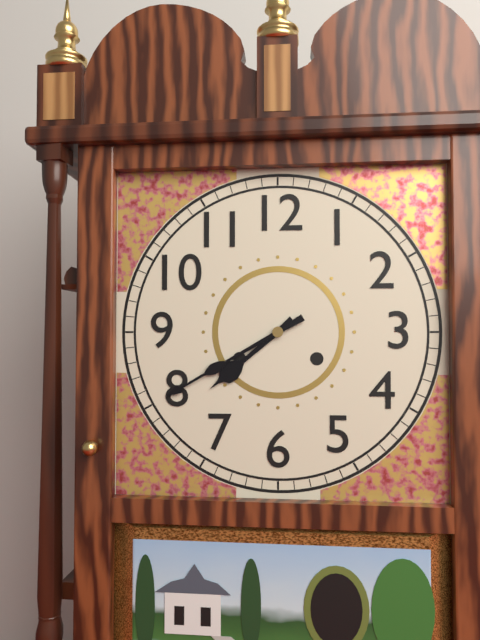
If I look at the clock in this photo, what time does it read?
7:40
